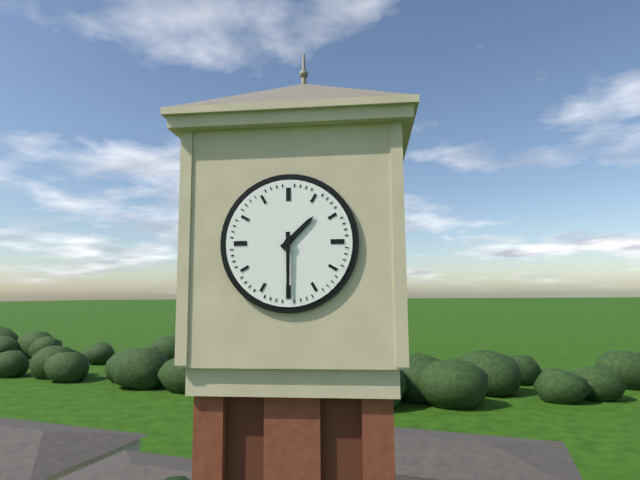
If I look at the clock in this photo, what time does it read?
1:30
